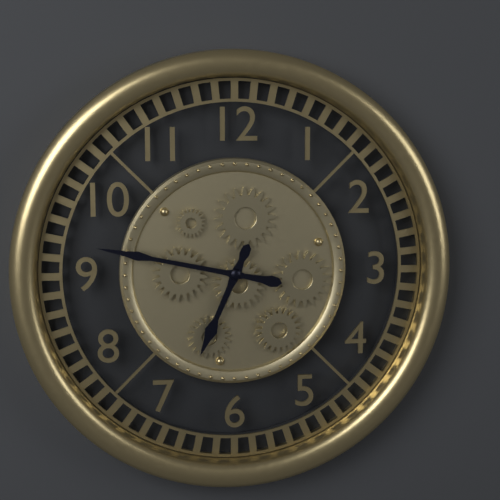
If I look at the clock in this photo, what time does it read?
6:47
